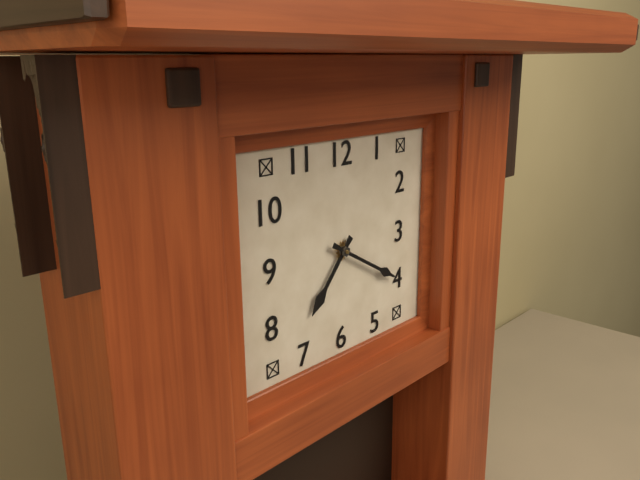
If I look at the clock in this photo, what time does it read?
7:20
